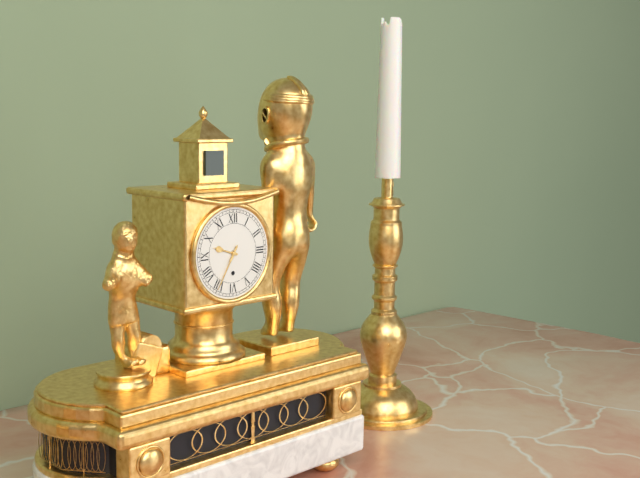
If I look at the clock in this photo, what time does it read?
9:35
